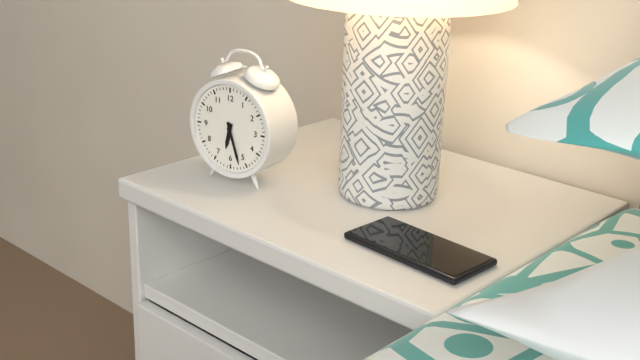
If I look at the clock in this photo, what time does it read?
6:27
